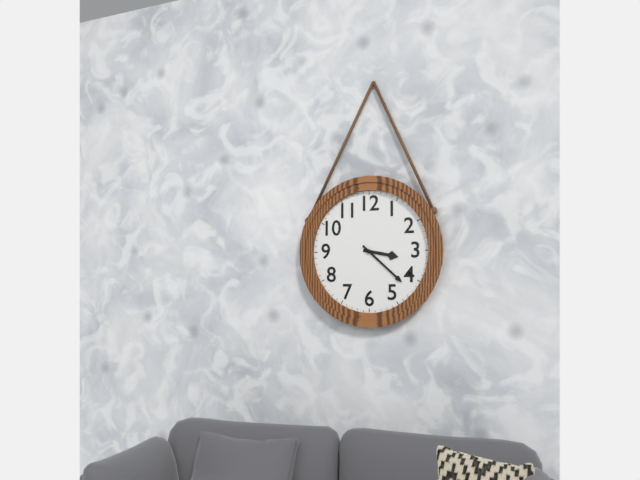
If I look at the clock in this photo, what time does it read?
3:22
